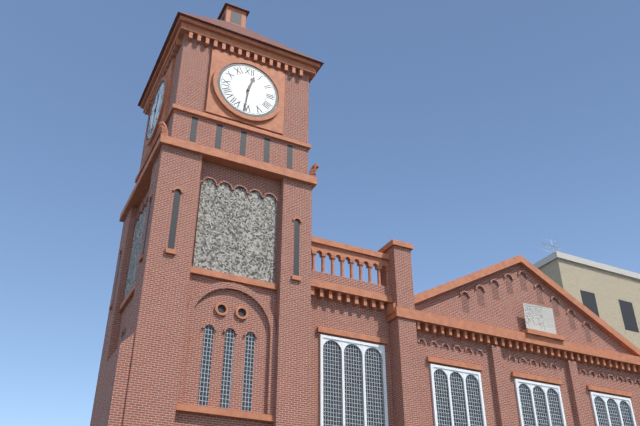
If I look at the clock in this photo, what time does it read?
12:31
